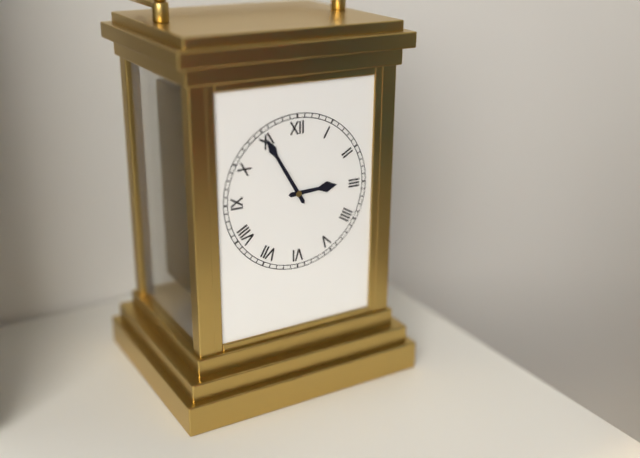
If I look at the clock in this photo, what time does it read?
2:55
